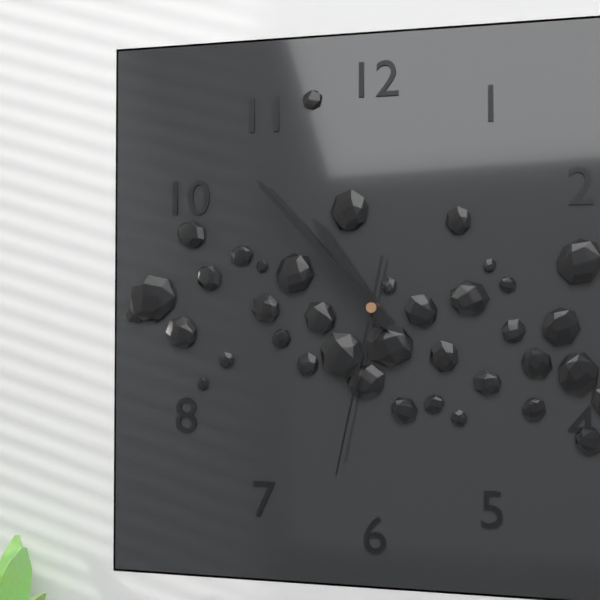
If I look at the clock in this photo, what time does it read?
10:53:32
